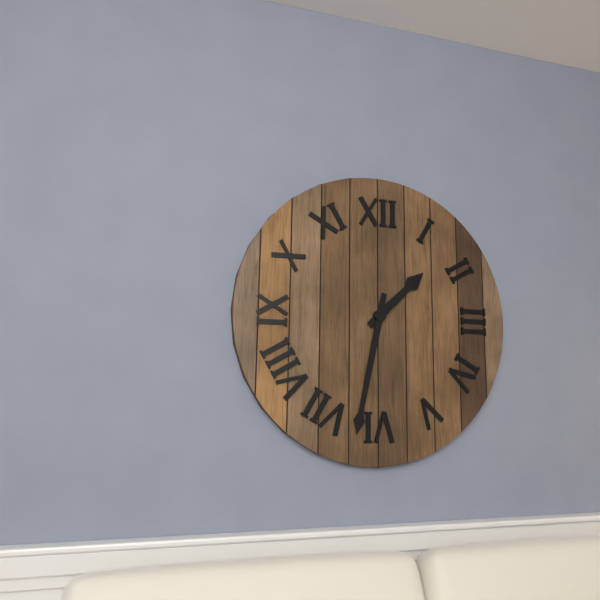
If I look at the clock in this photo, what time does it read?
1:32
